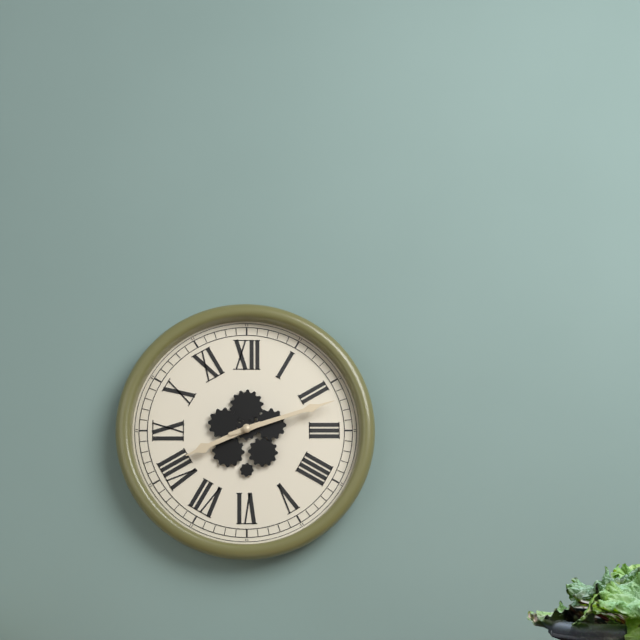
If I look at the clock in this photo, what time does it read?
8:12
